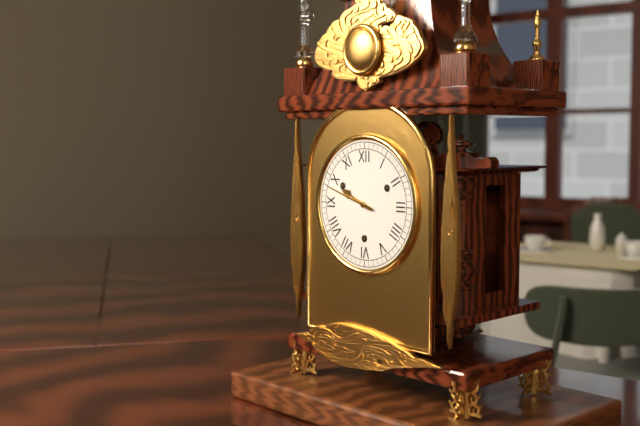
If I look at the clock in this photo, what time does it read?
9:48
